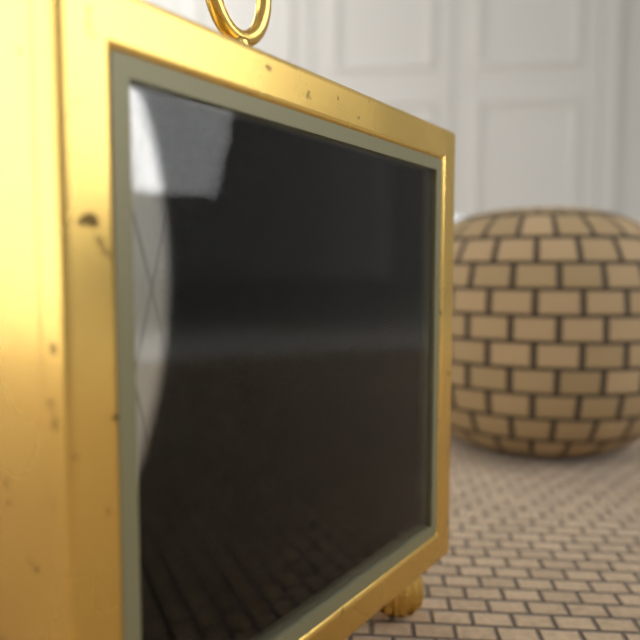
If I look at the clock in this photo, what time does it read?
7:06
